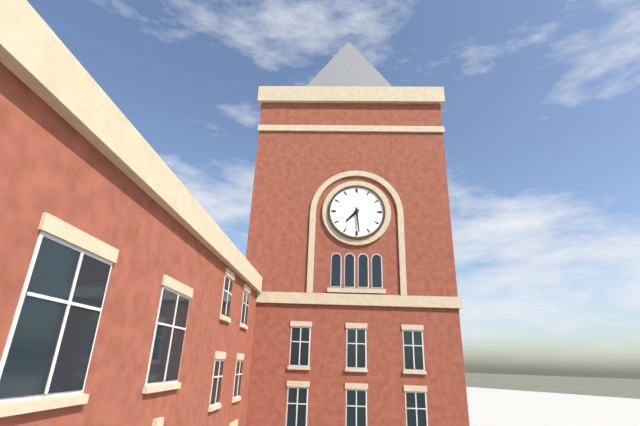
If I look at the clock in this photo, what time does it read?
7:29
